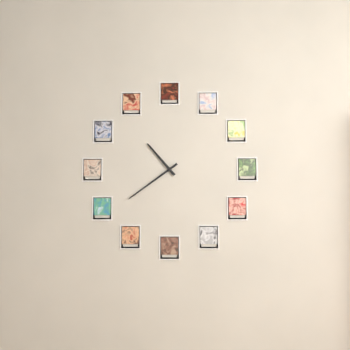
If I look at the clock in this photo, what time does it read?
10:39
